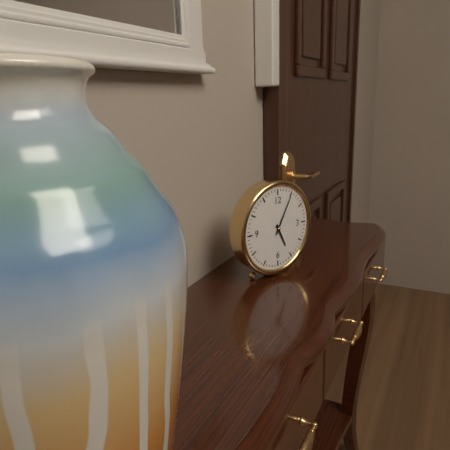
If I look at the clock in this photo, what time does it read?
5:05
